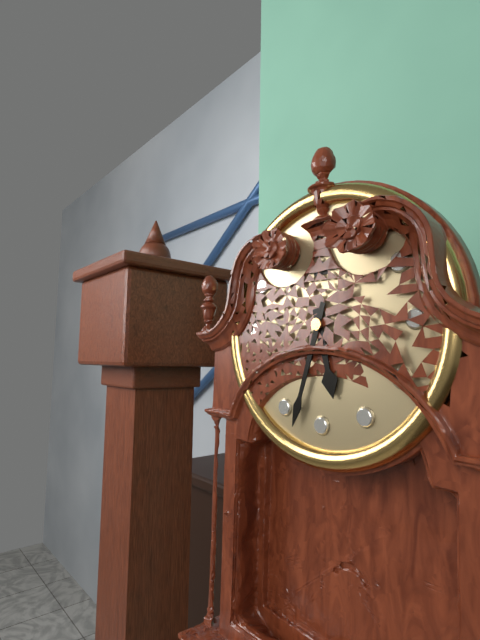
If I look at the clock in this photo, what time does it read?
5:33
